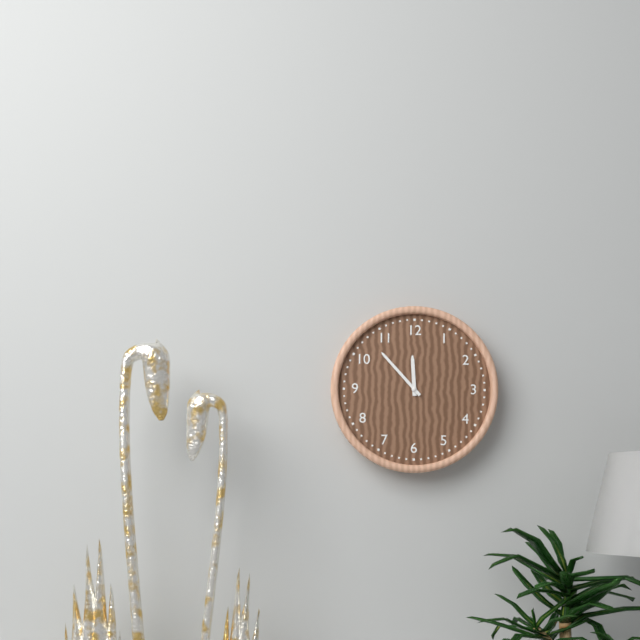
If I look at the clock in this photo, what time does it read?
11:53
